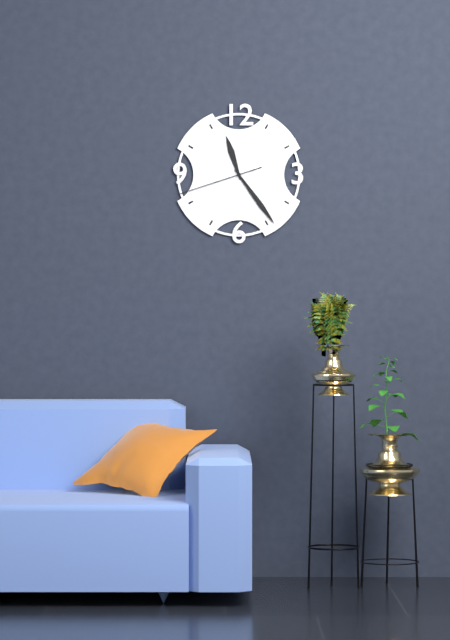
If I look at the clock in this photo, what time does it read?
11:24:42
